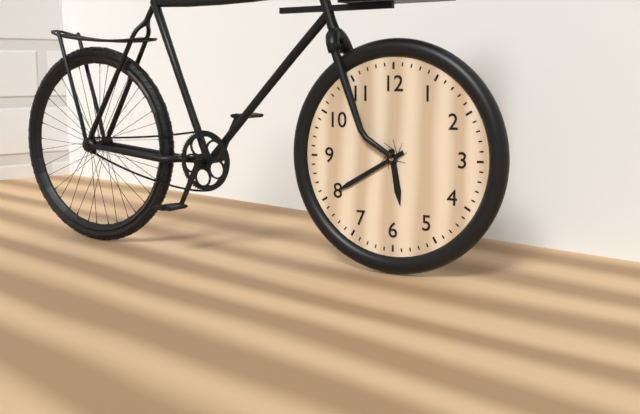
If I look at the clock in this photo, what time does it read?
5:40
